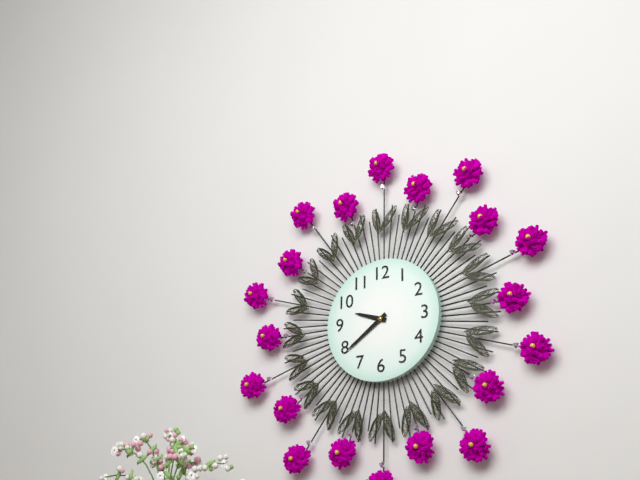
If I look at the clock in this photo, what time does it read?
9:39
